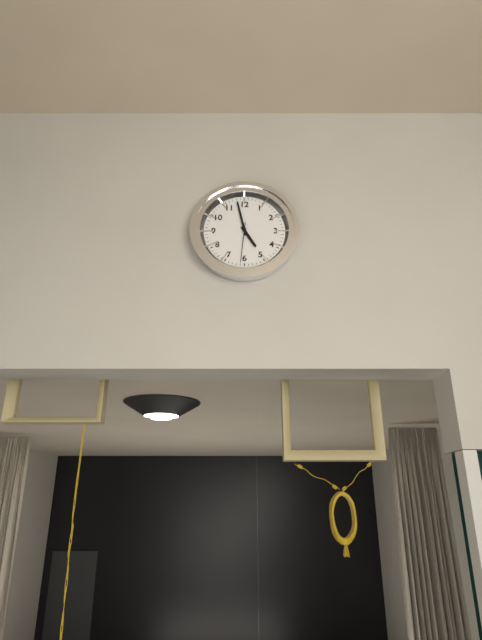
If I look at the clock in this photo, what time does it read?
4:58
